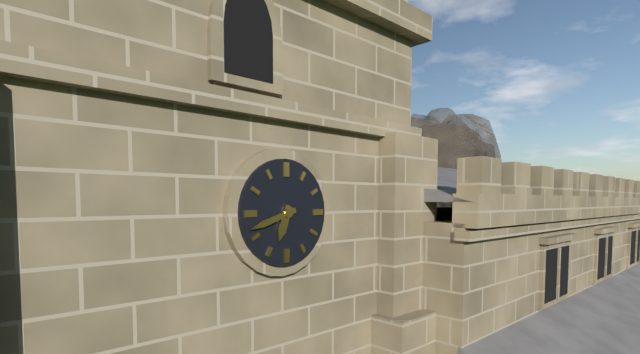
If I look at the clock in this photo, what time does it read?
6:42
